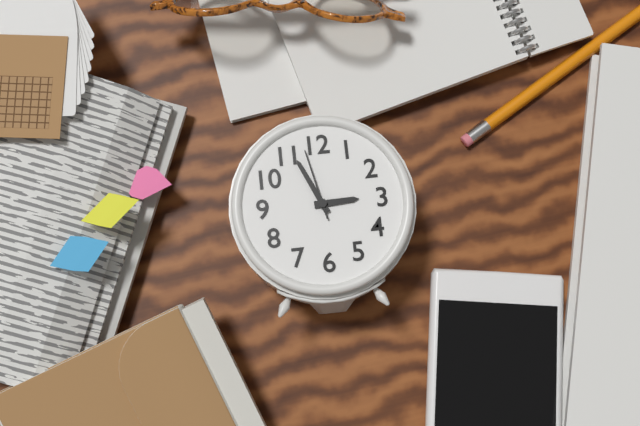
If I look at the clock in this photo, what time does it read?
2:56:58
